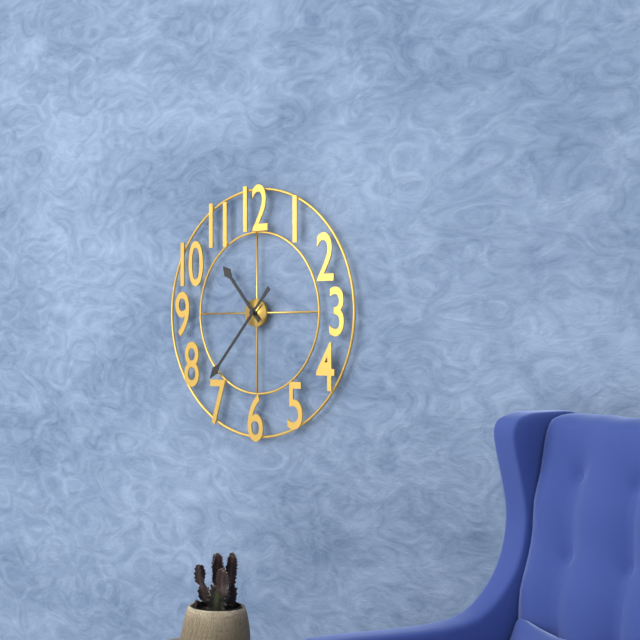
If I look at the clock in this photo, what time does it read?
10:37
